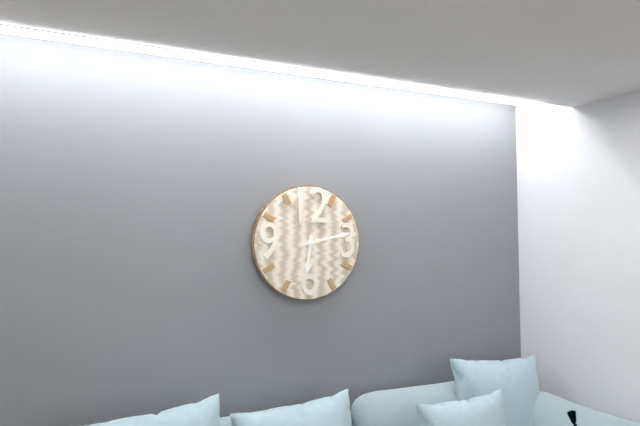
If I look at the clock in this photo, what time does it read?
6:13
